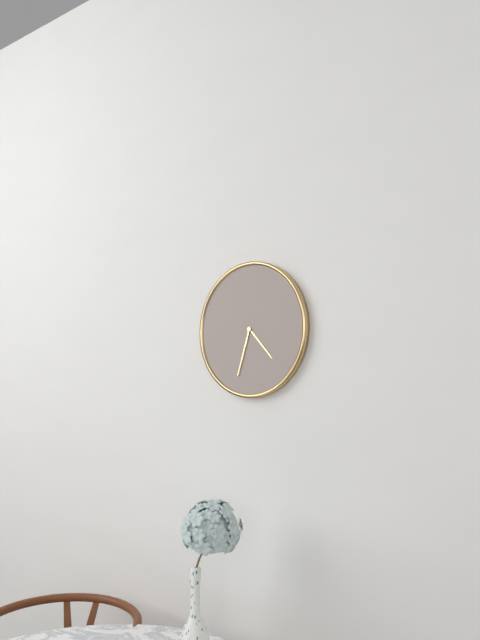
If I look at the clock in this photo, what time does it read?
4:33
